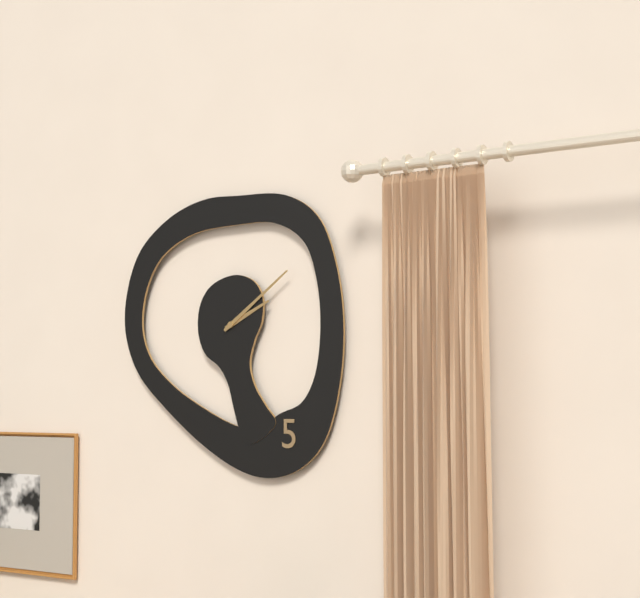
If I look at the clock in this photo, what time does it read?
2:09
